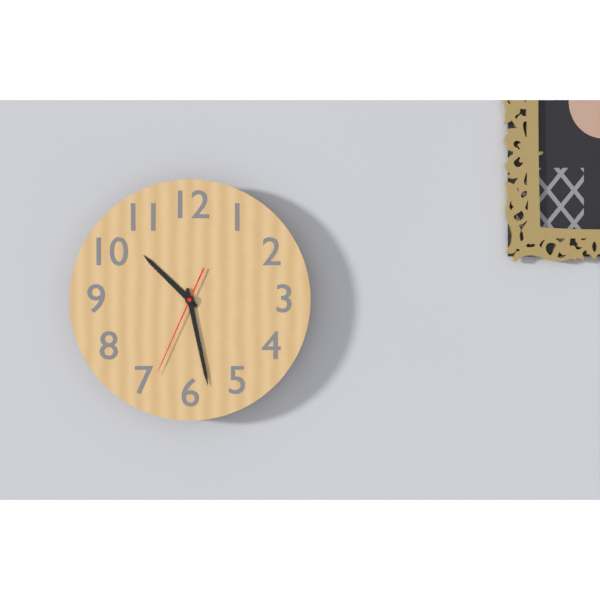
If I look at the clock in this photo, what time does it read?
10:28:34
